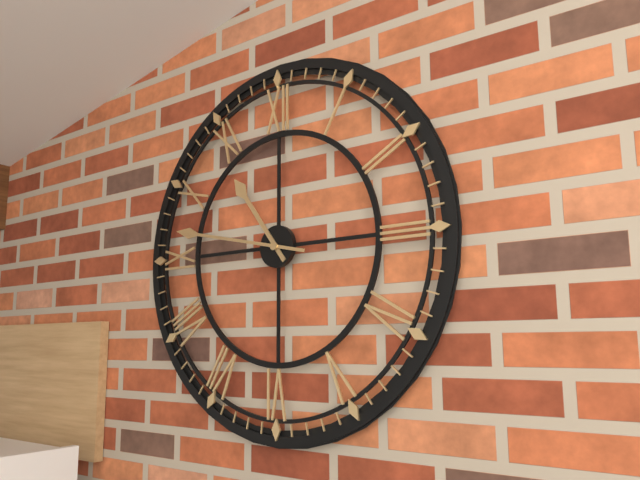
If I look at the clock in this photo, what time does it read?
10:47
